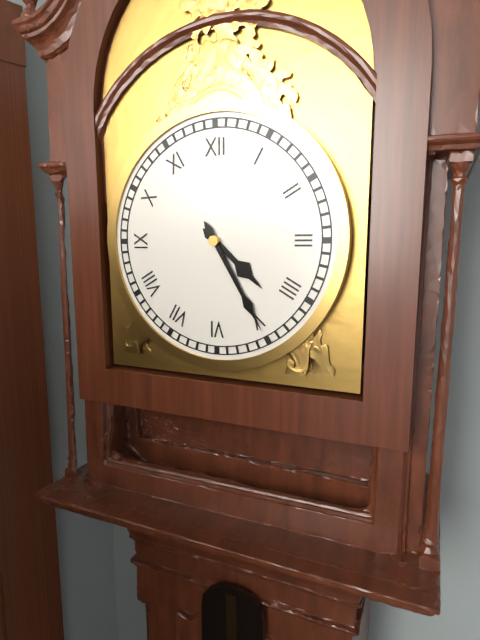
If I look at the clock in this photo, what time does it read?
4:25
